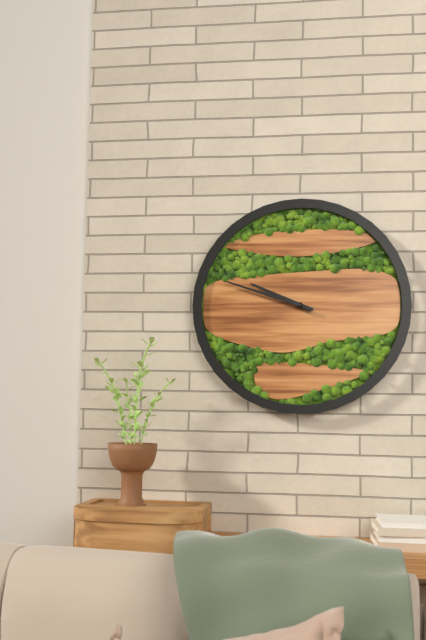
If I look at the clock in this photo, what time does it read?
9:48
